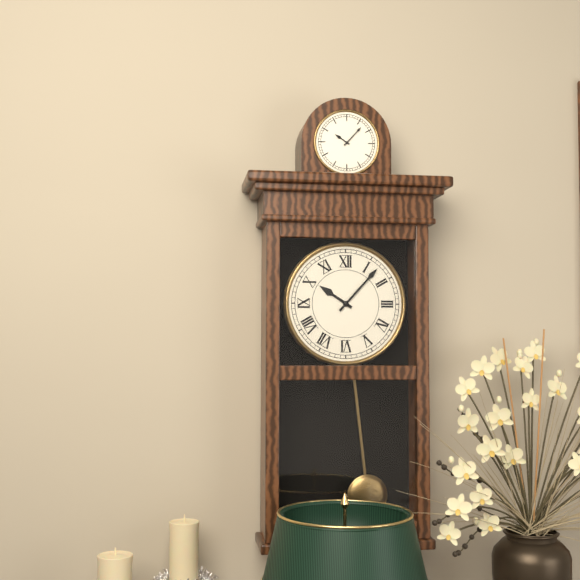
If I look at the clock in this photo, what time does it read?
10:07
